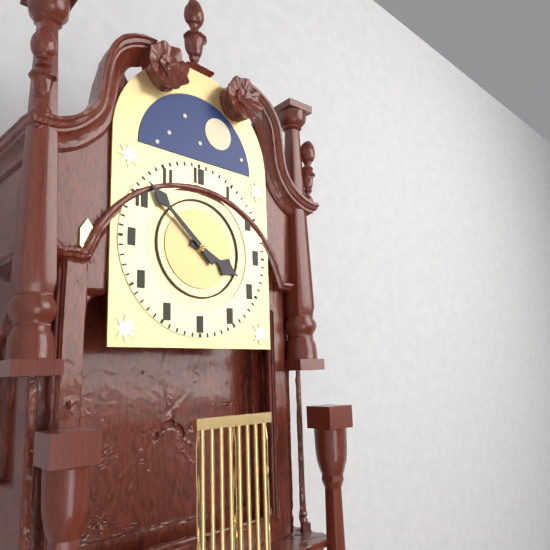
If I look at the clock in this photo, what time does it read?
3:52
